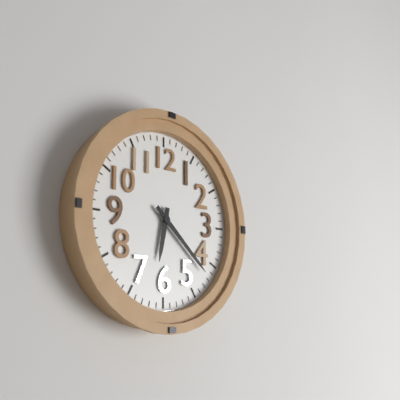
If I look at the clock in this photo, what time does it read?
6:22
